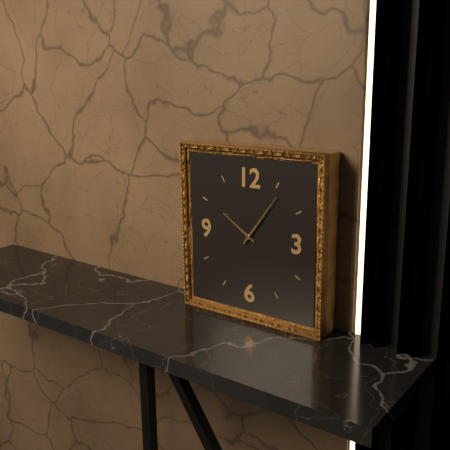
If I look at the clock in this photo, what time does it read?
10:06
